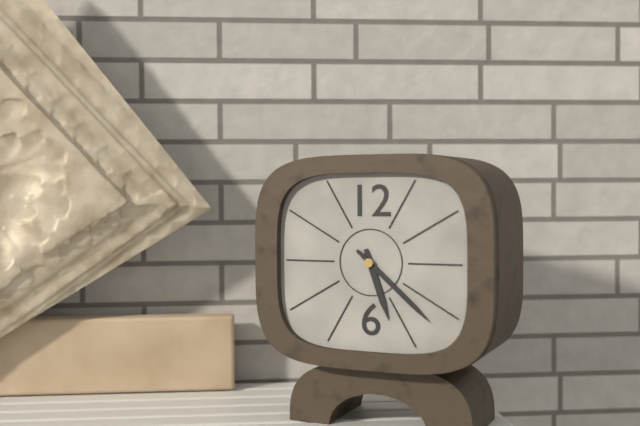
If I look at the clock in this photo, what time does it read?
5:22
